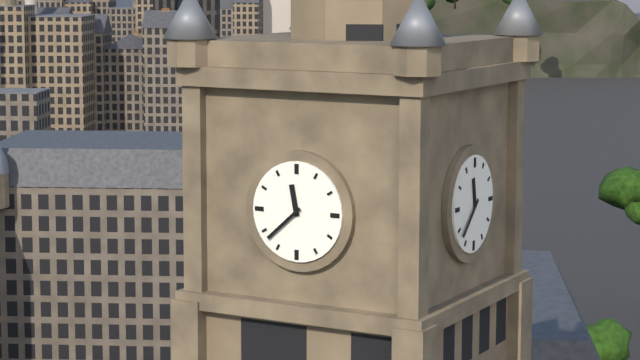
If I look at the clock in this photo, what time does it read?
11:38
